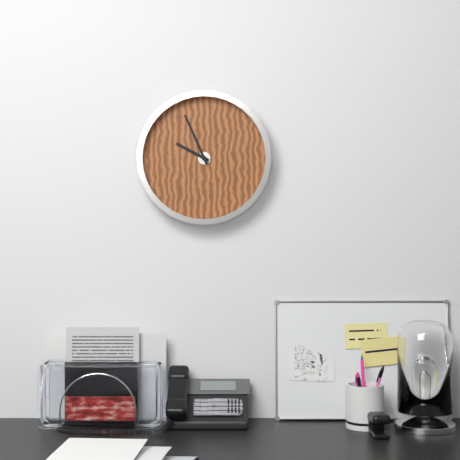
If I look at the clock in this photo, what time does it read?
9:56
